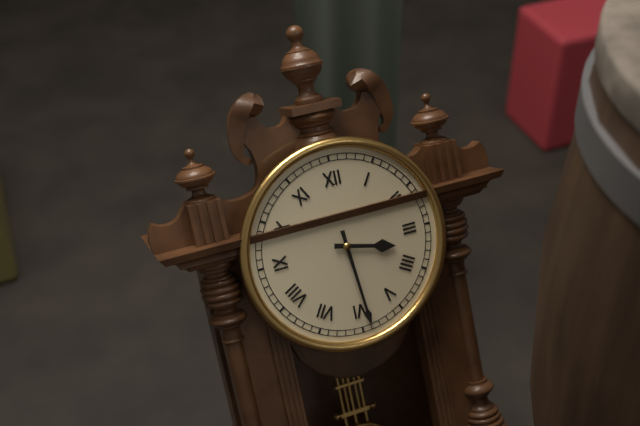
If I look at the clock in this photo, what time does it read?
3:29
